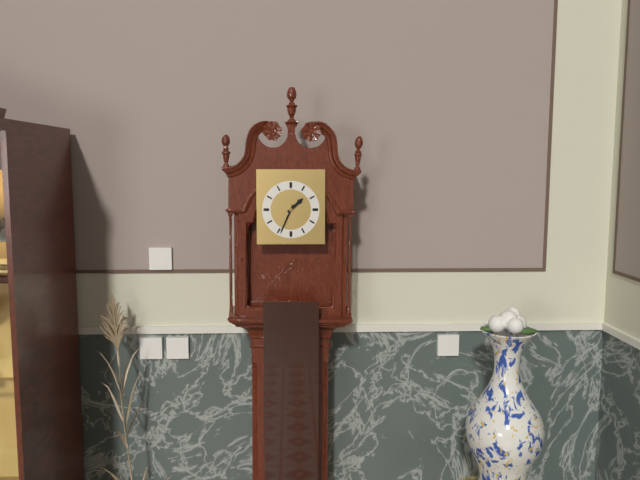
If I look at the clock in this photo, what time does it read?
1:34
